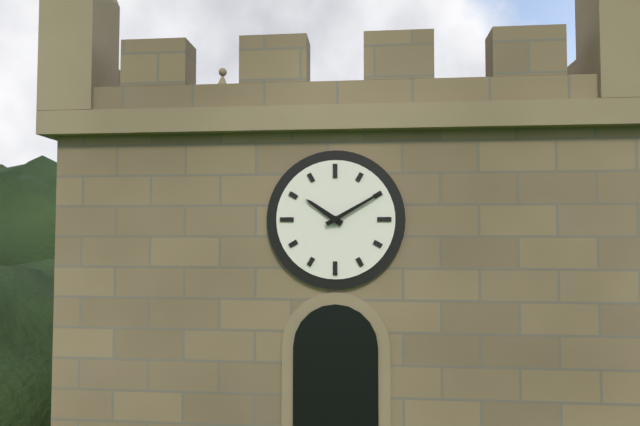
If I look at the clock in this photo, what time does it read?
10:10
